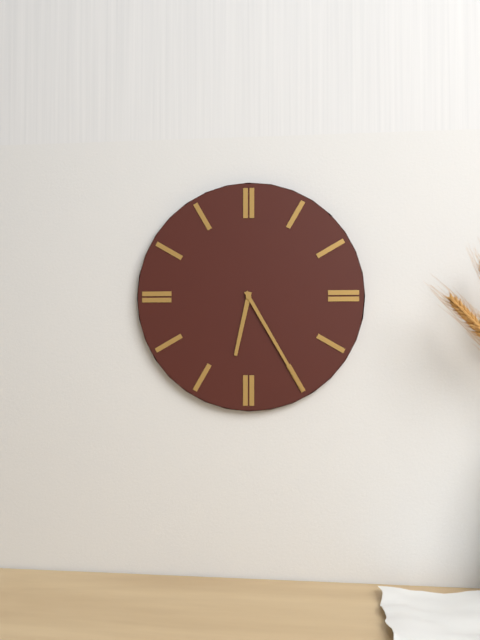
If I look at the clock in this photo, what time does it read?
6:25
